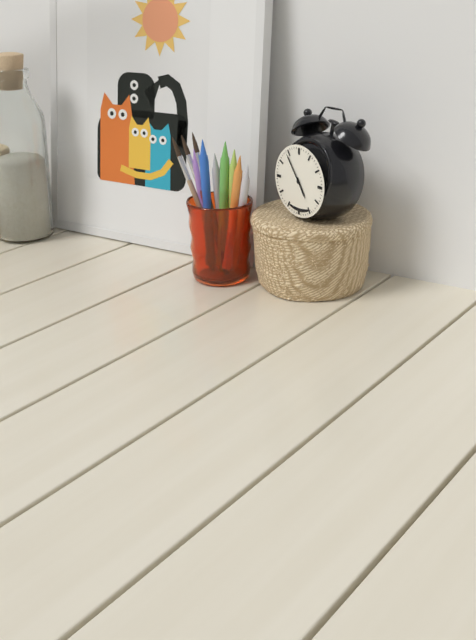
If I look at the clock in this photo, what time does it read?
4:54
